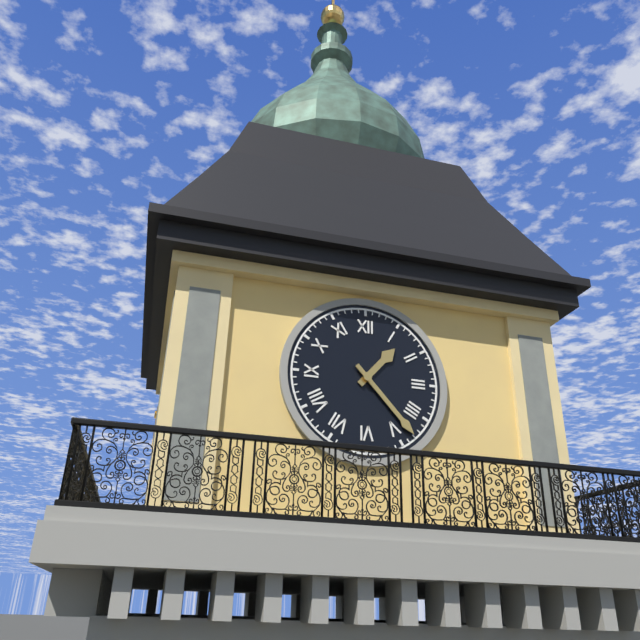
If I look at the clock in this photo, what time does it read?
1:23
